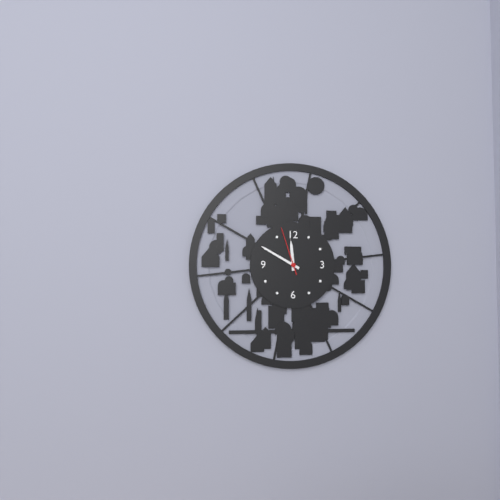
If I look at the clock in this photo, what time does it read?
11:50
